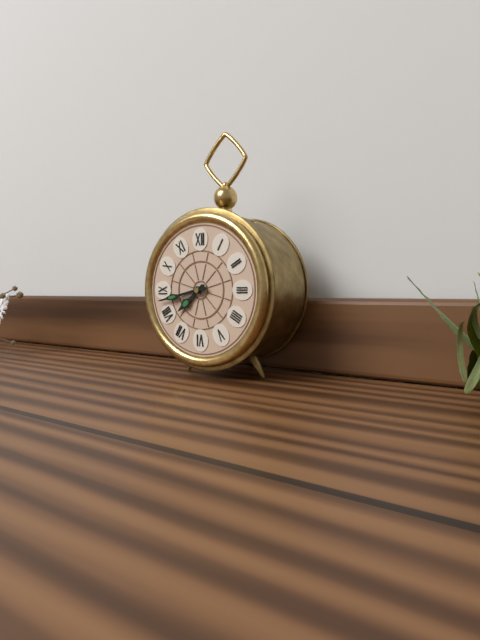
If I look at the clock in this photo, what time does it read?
7:43
